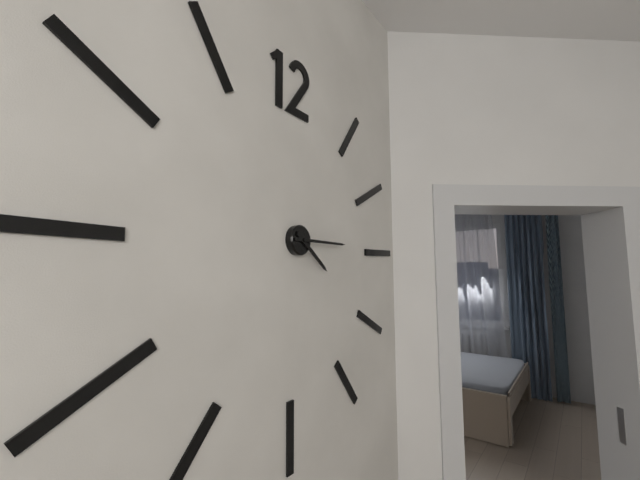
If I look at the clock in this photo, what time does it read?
4:15
